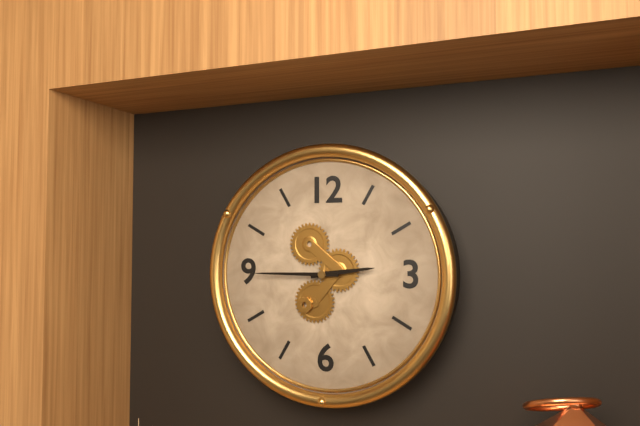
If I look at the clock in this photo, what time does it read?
2:45
